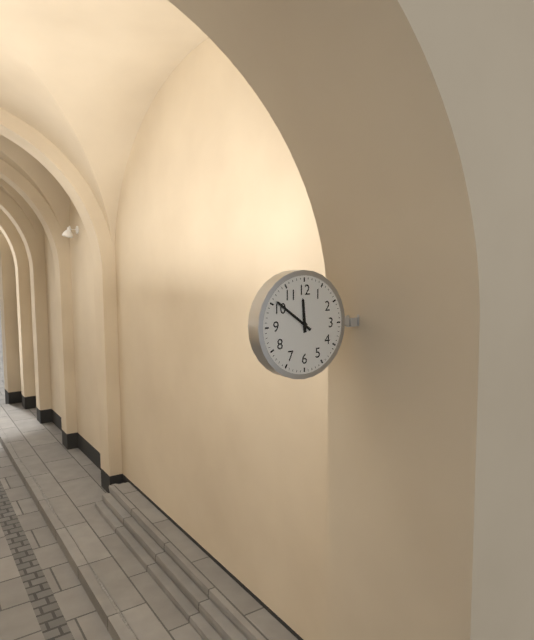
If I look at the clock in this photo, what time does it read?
11:51
